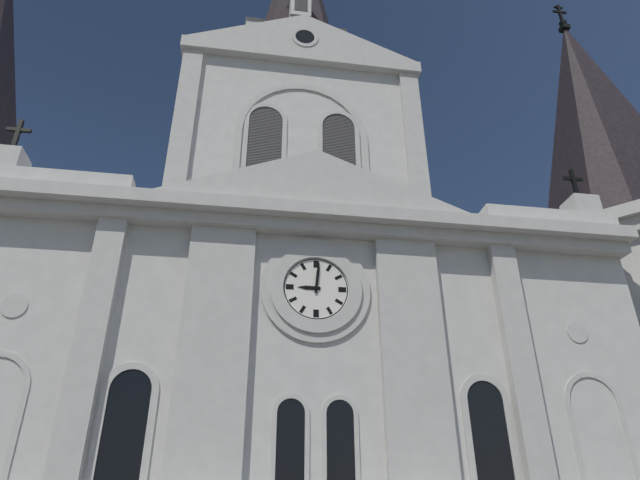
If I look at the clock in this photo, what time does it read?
9:01
